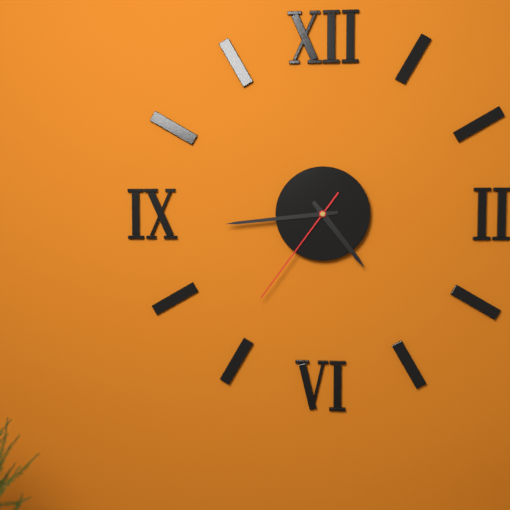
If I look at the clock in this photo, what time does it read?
4:44:36
